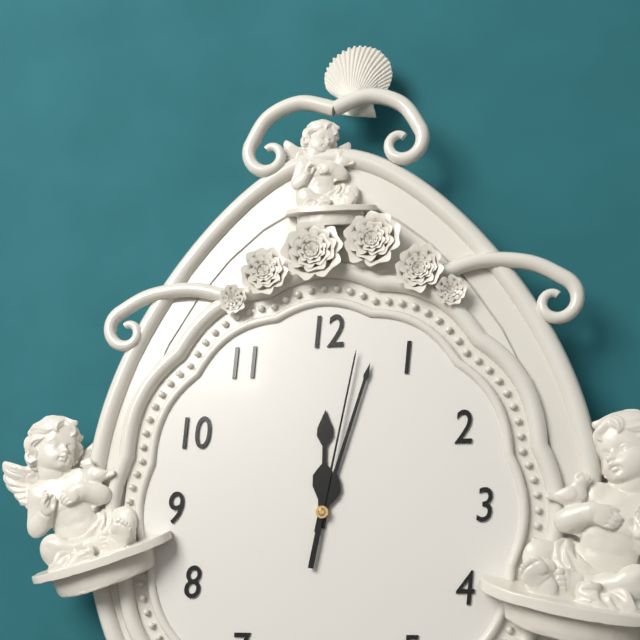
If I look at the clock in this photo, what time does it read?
12:03:02
